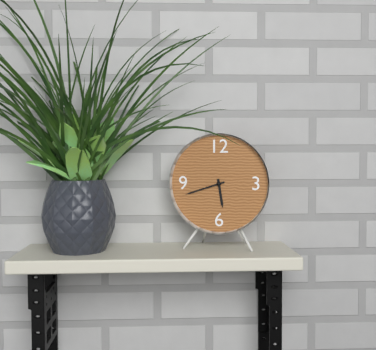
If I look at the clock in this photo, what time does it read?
5:42
